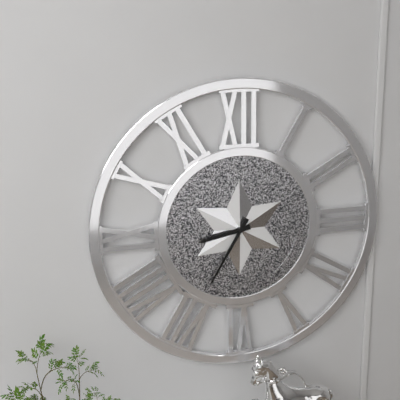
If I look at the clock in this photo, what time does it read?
8:35
